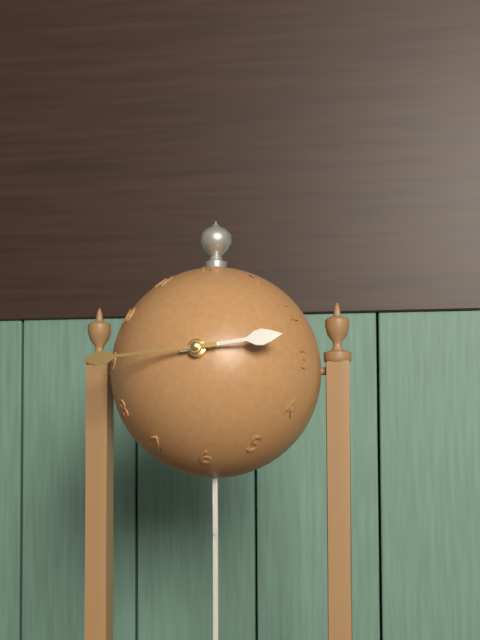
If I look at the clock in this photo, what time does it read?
2:44
